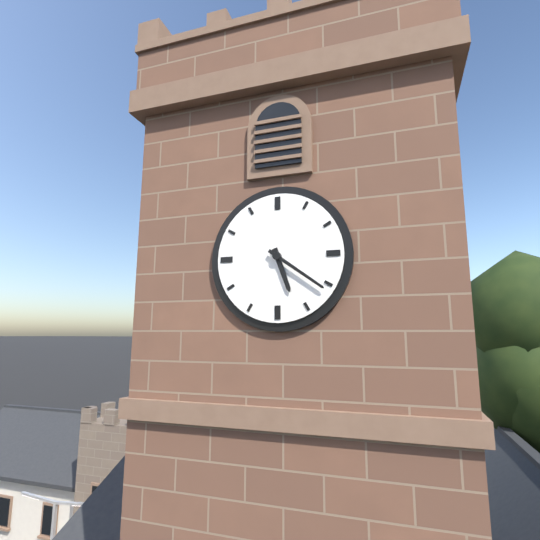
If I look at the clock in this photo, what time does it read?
5:21
